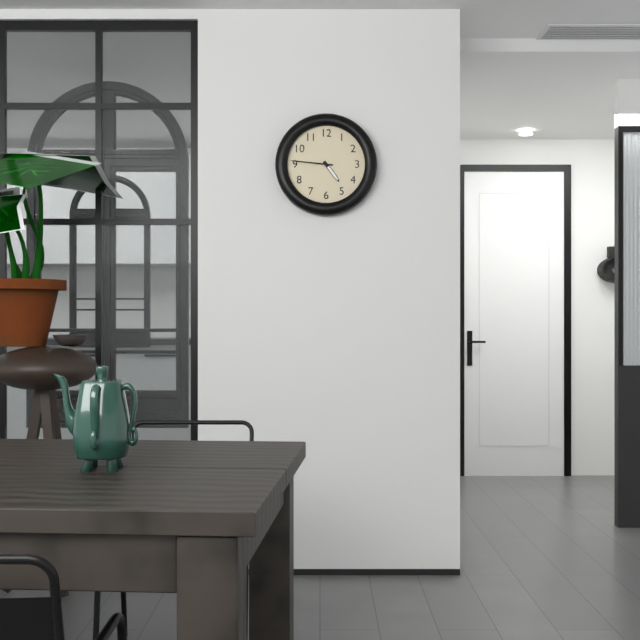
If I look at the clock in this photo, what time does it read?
4:46
